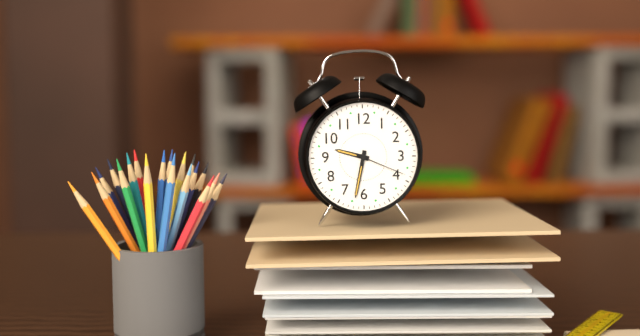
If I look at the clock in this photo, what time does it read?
9:32:19
